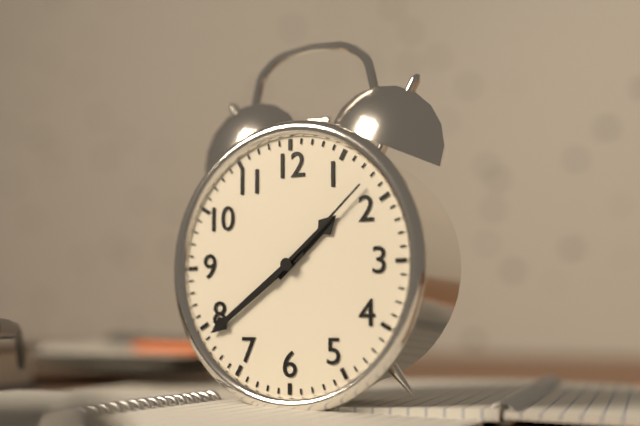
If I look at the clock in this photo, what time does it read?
1:39:08
